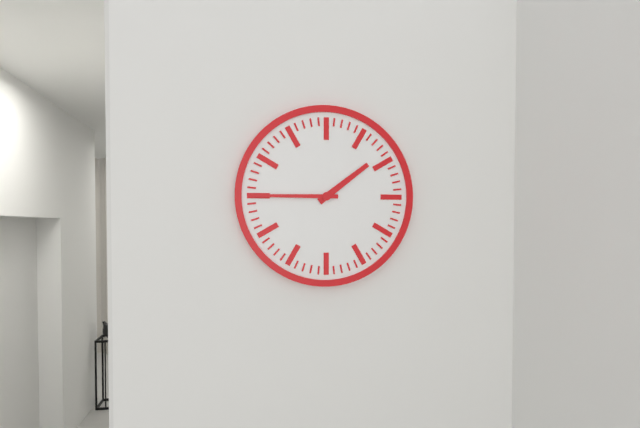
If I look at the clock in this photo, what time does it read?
1:45
